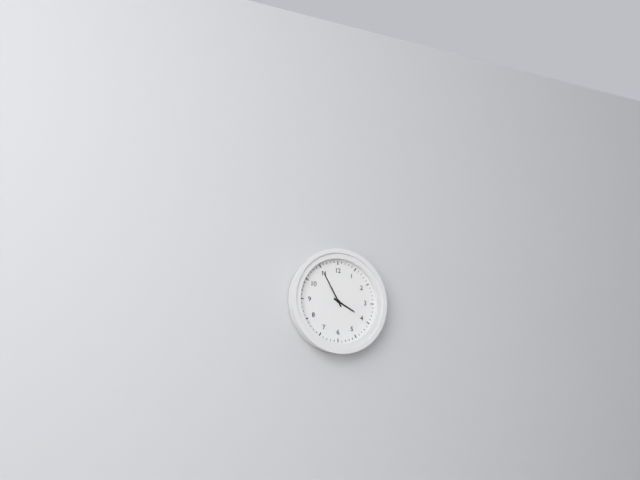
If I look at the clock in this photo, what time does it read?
3:55
